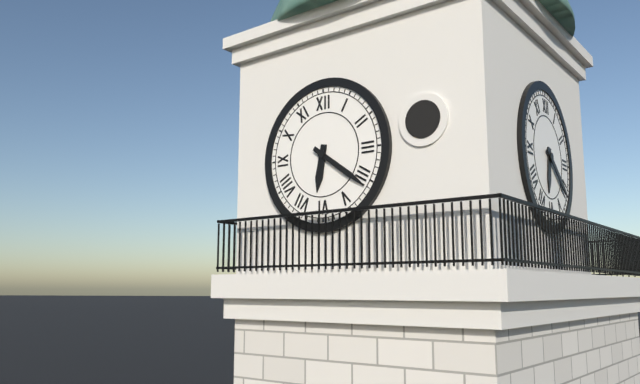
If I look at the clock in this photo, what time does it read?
6:21
